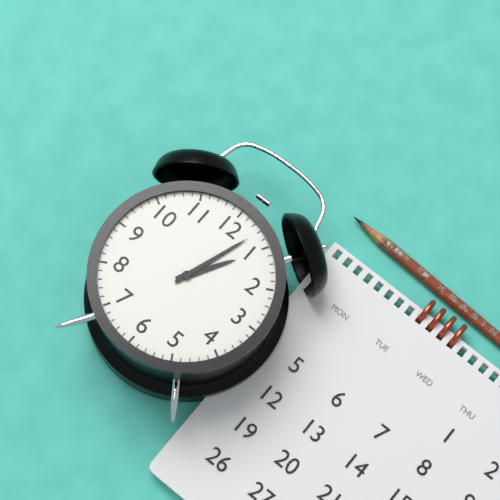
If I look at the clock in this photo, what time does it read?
1:03
